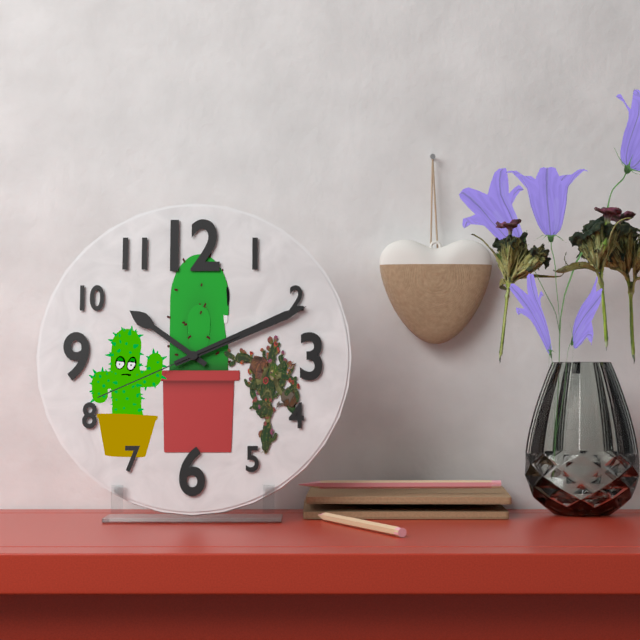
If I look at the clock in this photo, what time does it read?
10:11:41
